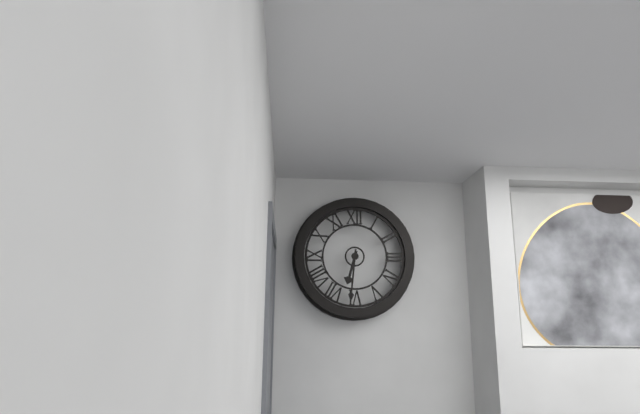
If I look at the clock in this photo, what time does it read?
6:31
